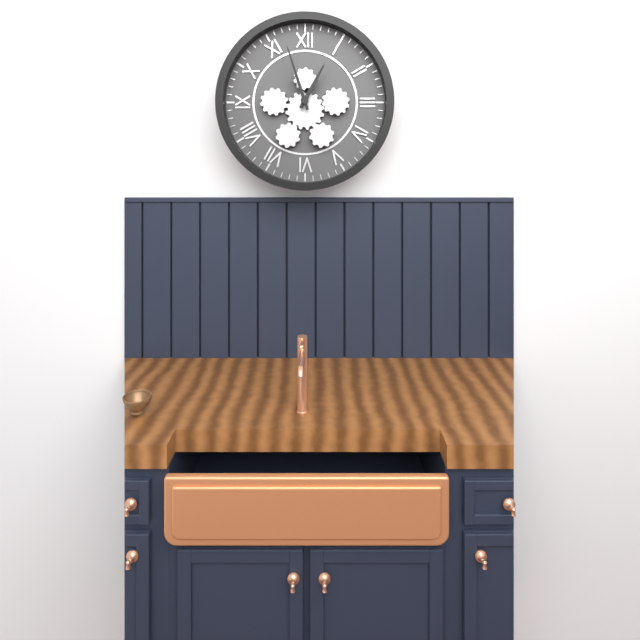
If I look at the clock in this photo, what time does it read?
12:57
